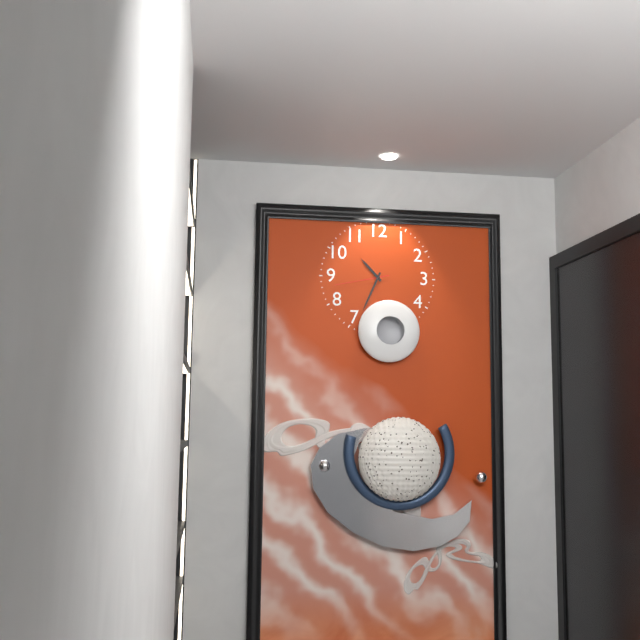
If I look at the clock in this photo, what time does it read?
10:34:43
